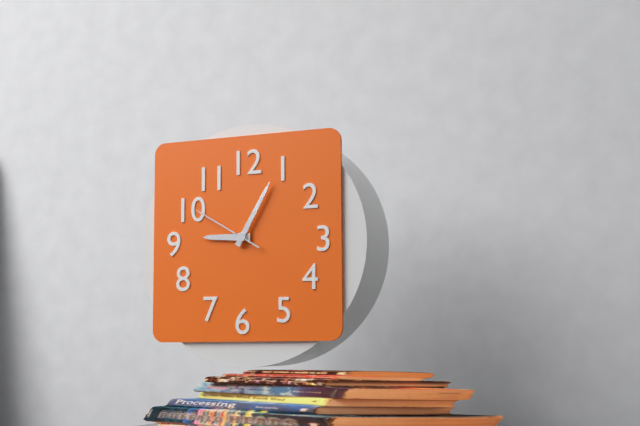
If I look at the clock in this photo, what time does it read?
9:05:50
